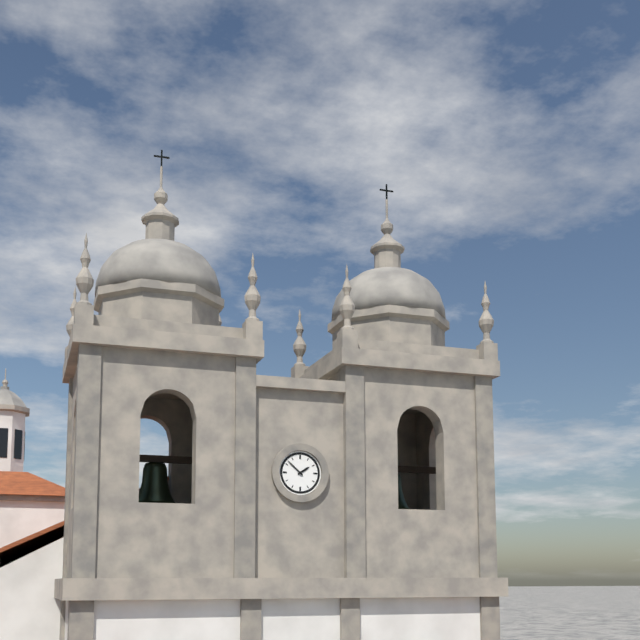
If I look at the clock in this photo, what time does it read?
1:52
